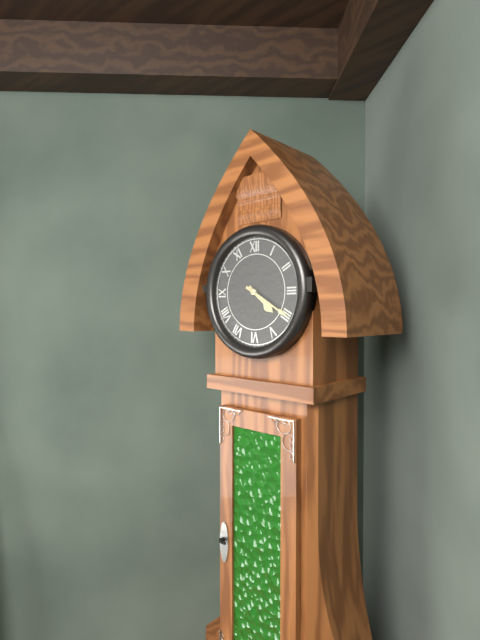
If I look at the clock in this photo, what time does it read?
4:20
